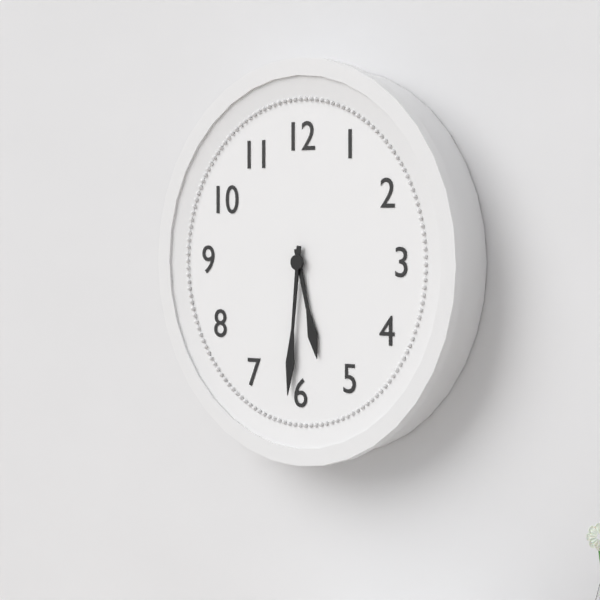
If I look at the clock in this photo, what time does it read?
5:31
